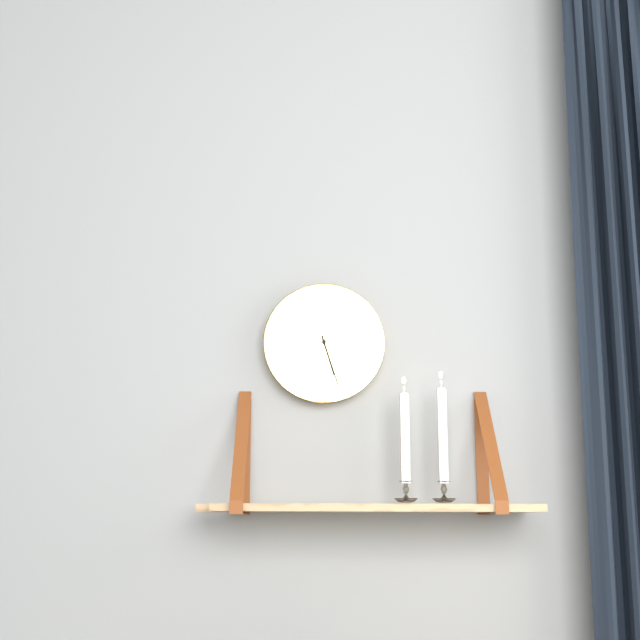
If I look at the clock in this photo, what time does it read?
5:27
